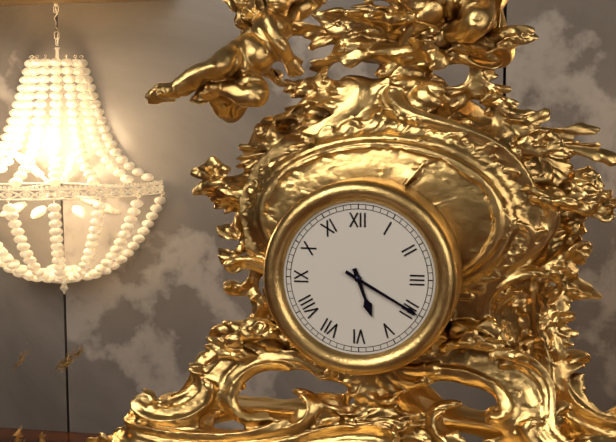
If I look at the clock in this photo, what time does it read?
5:20
